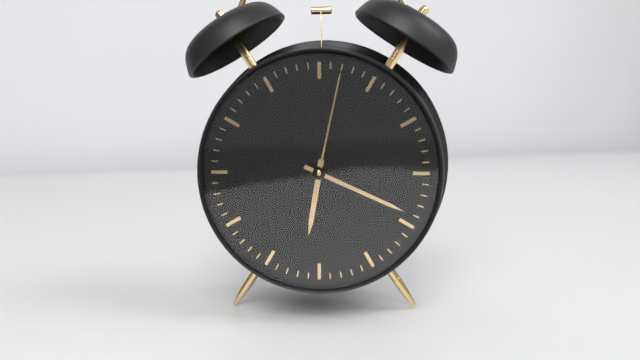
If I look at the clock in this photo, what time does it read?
6:19:02
